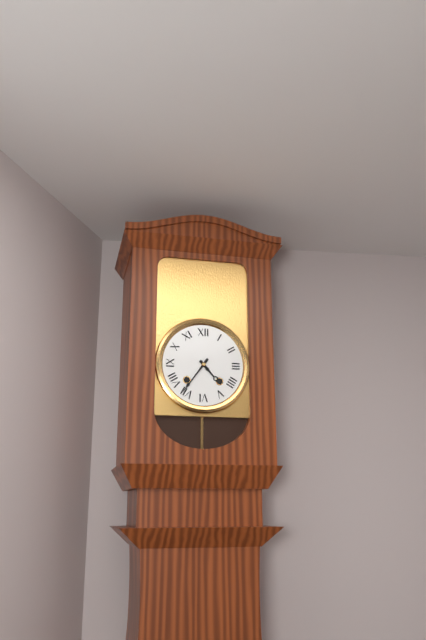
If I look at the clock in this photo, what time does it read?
4:36
